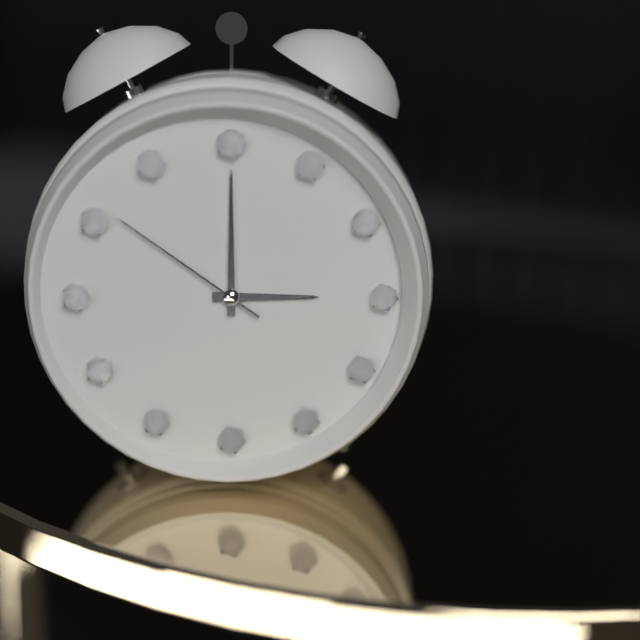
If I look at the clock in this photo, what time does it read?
3:00:51
